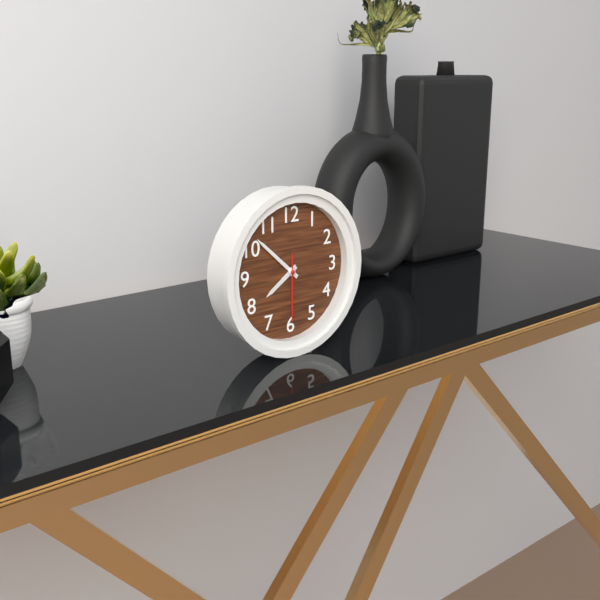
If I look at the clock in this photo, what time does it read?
7:52:30
